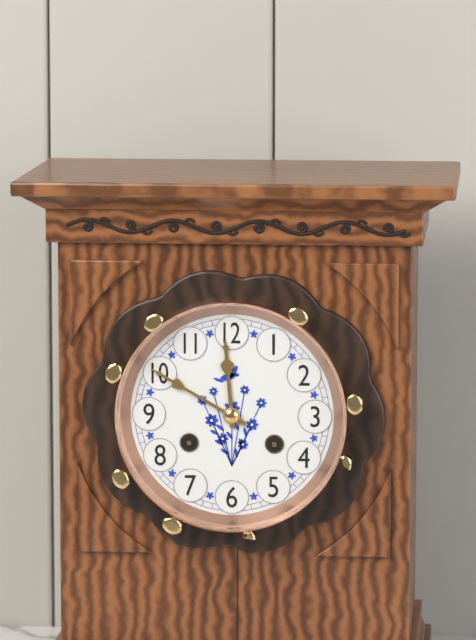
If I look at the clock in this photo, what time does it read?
11:50
